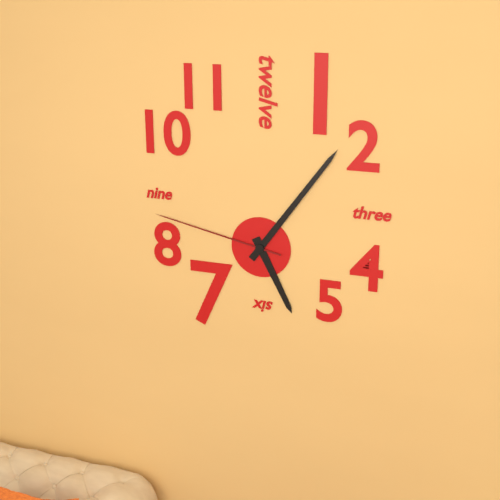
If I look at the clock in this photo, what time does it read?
5:06:47
